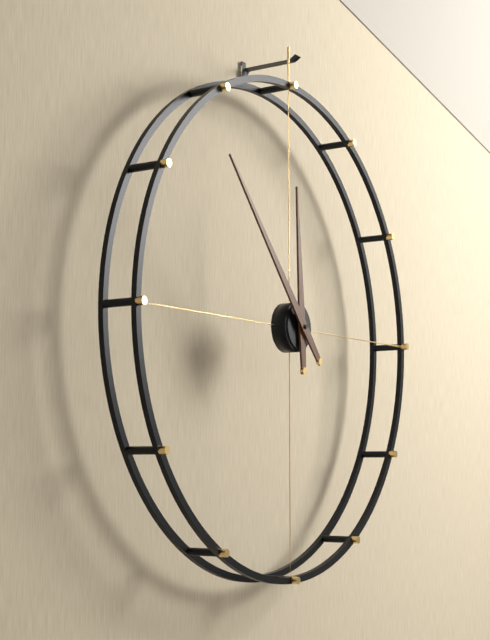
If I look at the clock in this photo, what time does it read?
11:53
